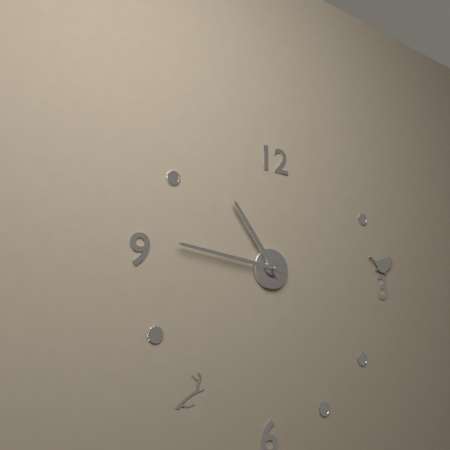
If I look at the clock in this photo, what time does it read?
10:46
